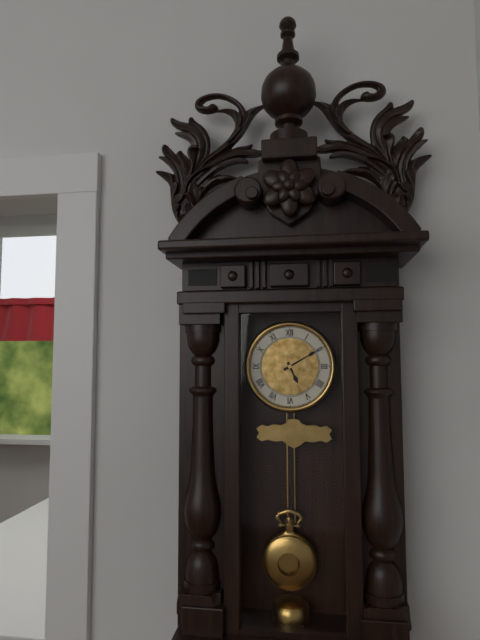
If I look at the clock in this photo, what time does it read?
5:10
